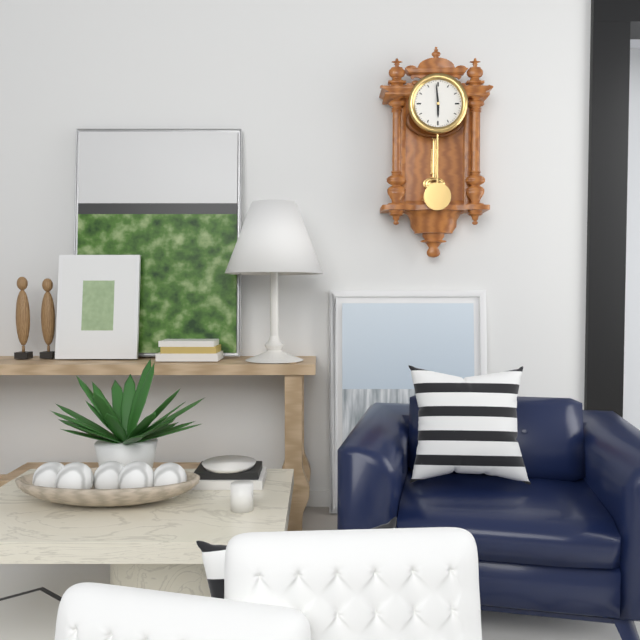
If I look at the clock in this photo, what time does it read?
5:59
